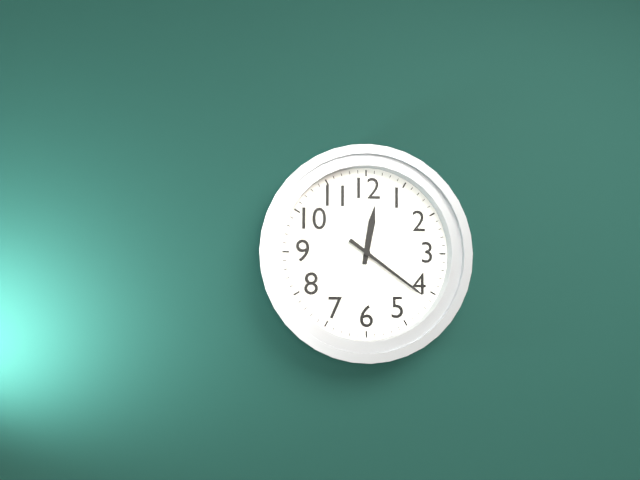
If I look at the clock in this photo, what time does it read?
12:21
